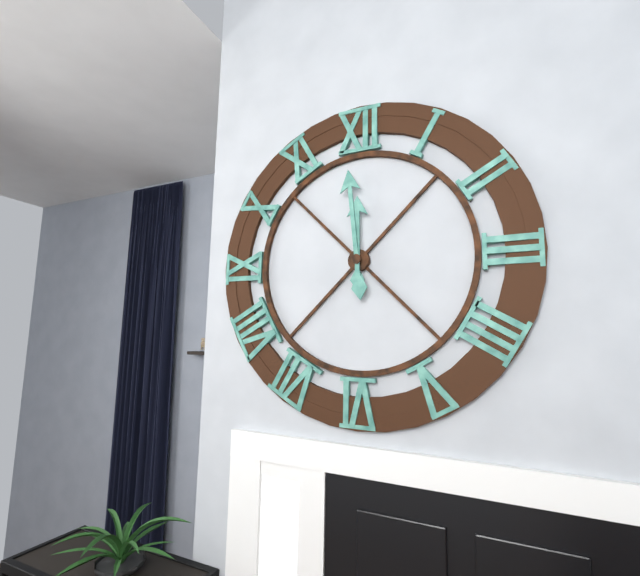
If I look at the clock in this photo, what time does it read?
11:59
